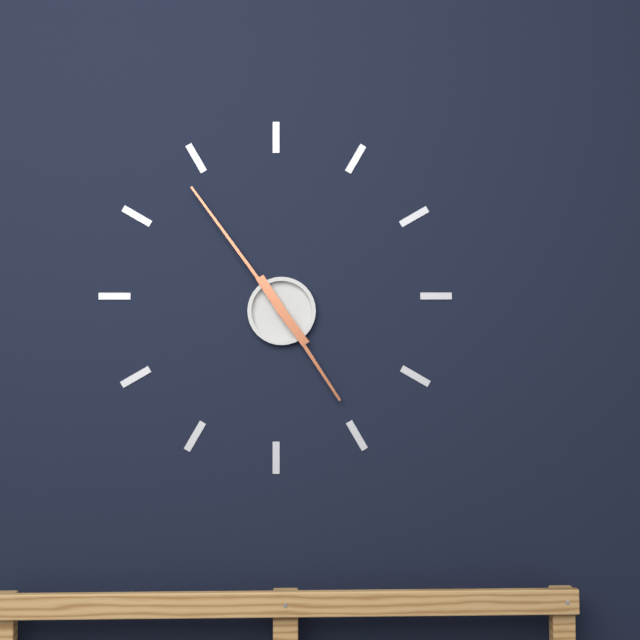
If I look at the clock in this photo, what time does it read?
4:54
